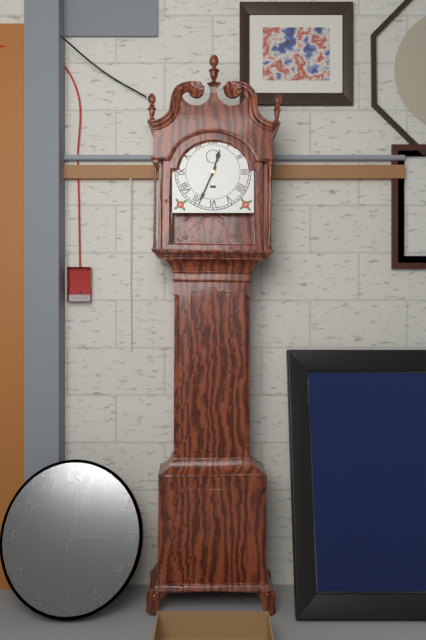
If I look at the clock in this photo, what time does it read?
12:34
